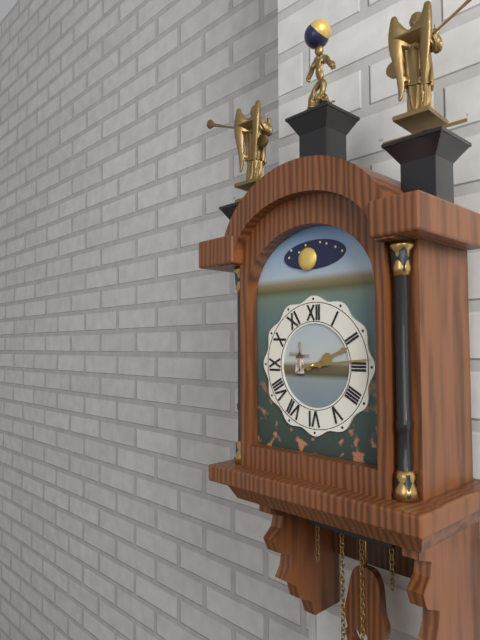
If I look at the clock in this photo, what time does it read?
2:14
